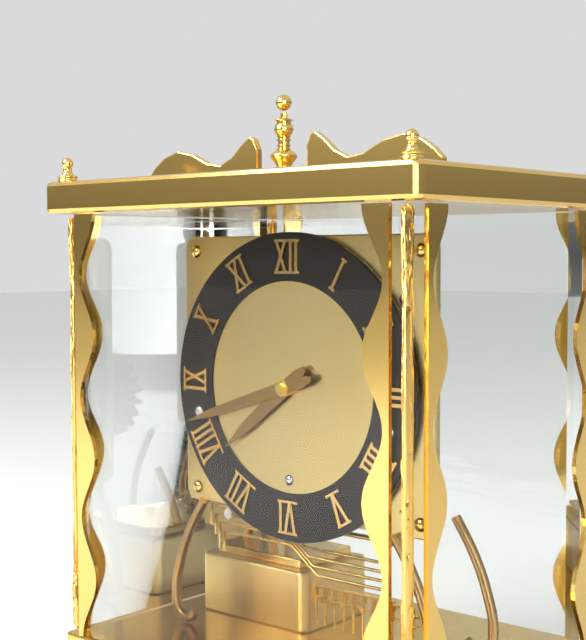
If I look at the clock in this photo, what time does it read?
7:42
